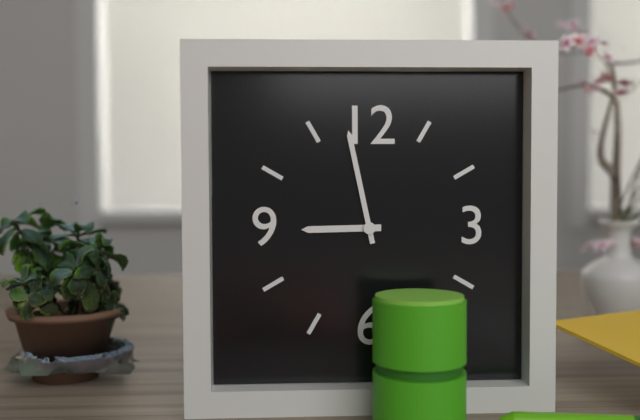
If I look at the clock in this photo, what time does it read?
8:58
